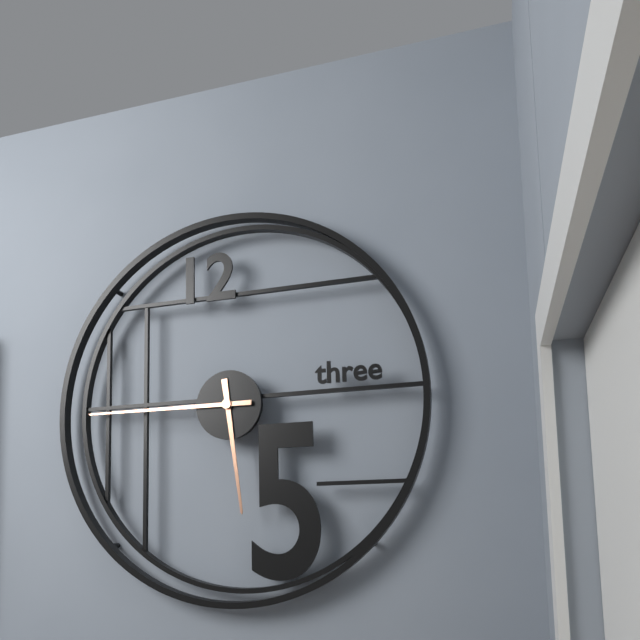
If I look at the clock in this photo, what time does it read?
5:45
